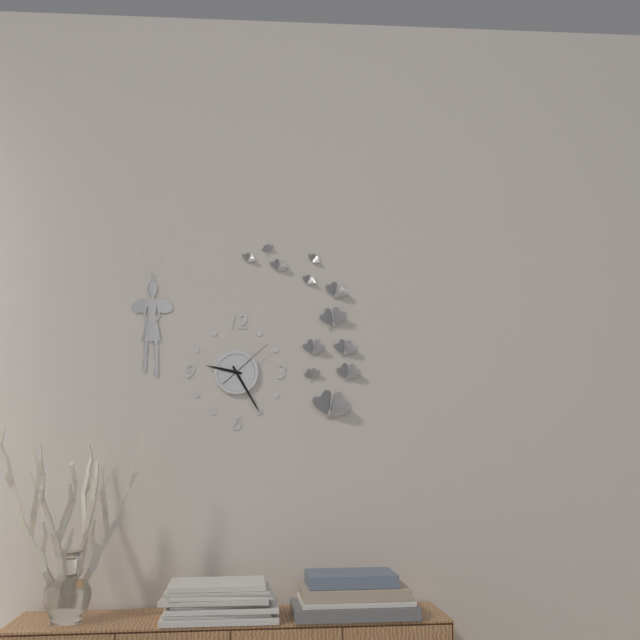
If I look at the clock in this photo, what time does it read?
9:25:08
